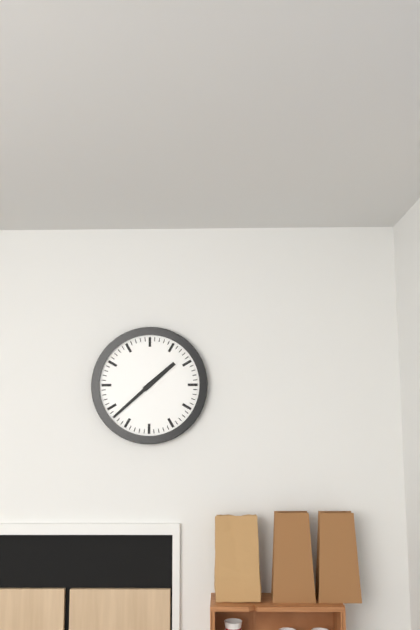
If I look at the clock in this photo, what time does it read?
1:38
